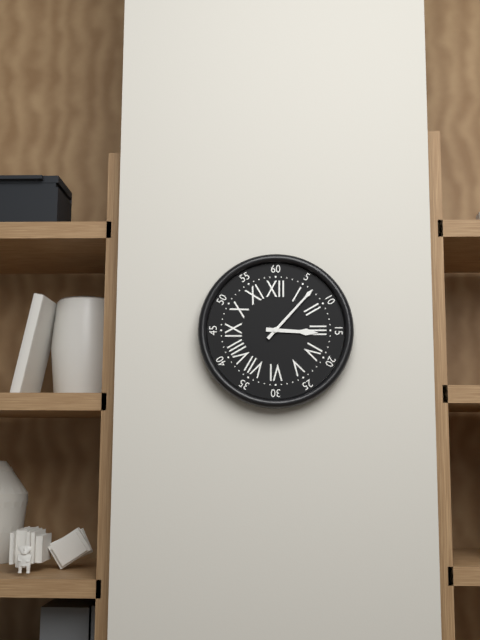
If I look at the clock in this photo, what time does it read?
3:07
